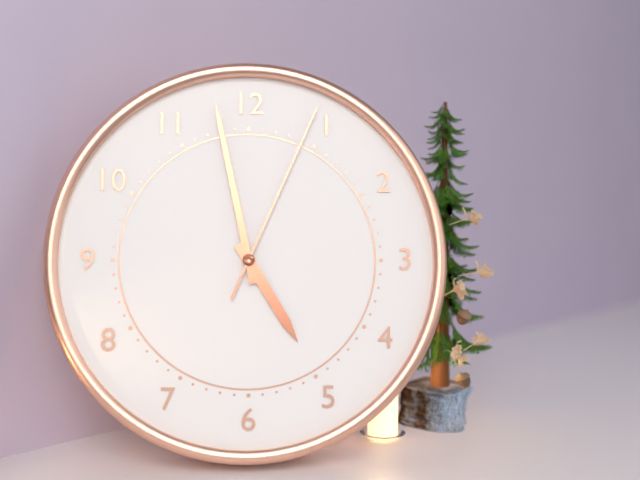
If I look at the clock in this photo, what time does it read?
4:58:04
